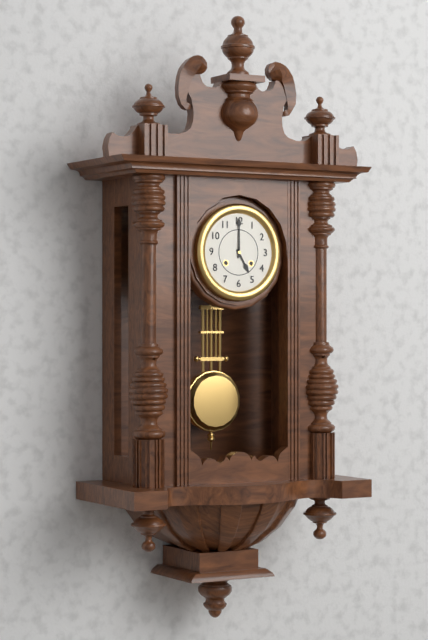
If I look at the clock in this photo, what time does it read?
5:00
